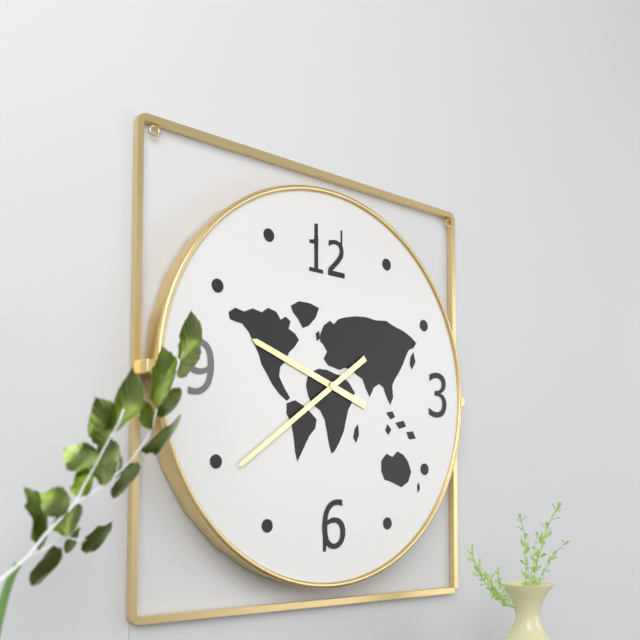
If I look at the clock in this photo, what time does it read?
9:39
